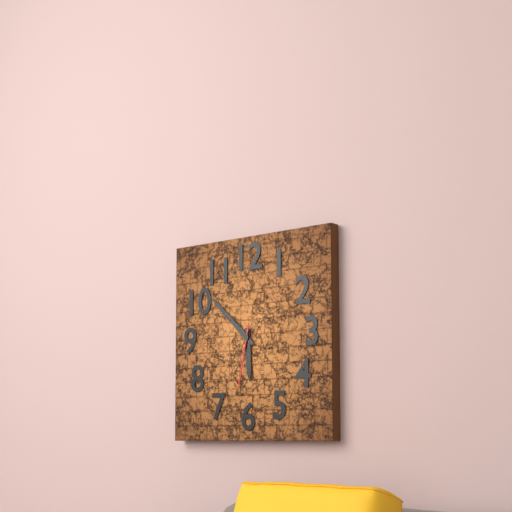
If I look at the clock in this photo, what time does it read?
5:52:32
